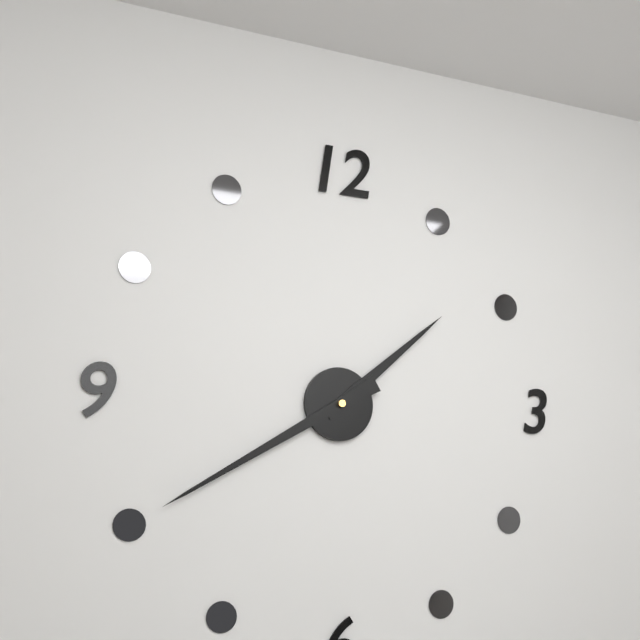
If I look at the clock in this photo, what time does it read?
1:40
